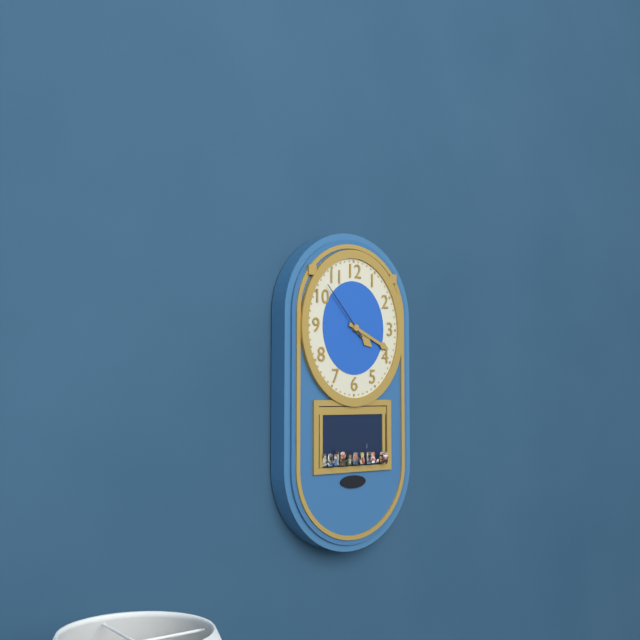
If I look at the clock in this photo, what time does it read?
4:19:53
